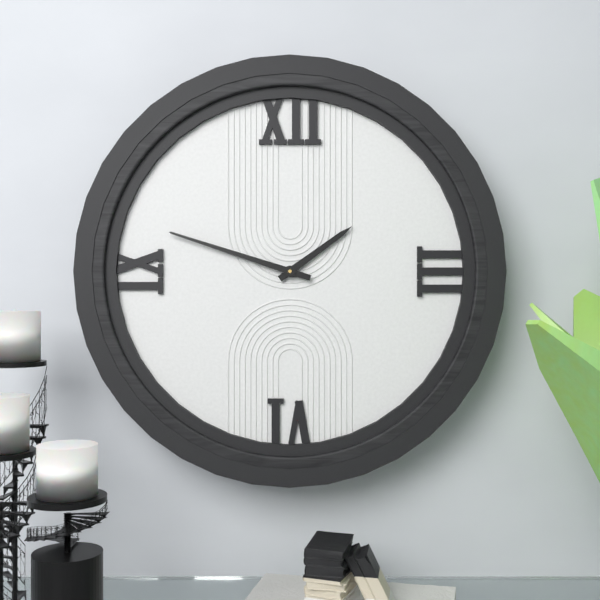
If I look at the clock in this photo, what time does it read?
1:48
